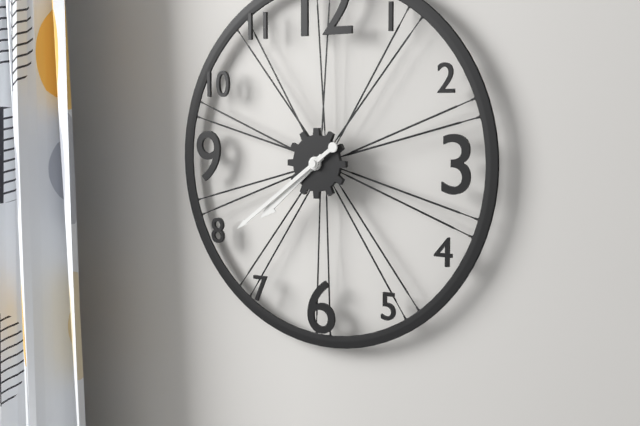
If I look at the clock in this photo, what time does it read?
7:39
